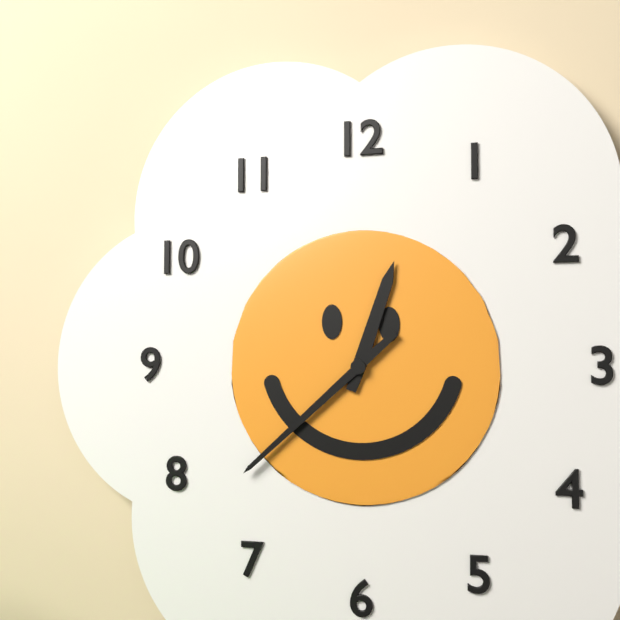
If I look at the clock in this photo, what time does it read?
12:38
